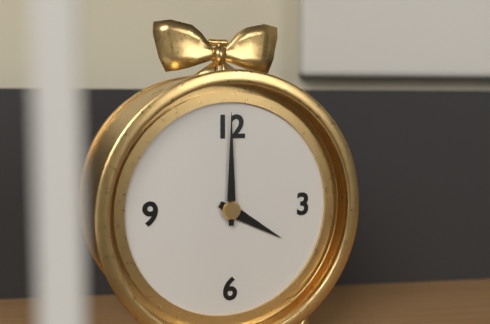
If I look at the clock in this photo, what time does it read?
4:00
